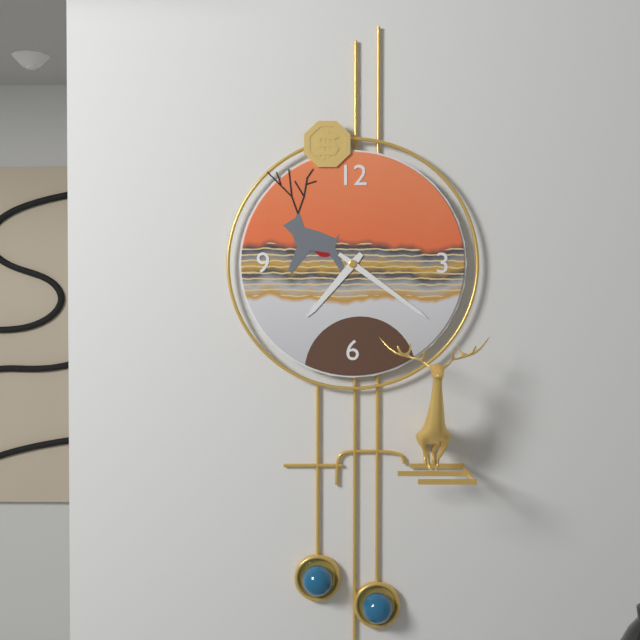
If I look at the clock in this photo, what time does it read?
7:21
